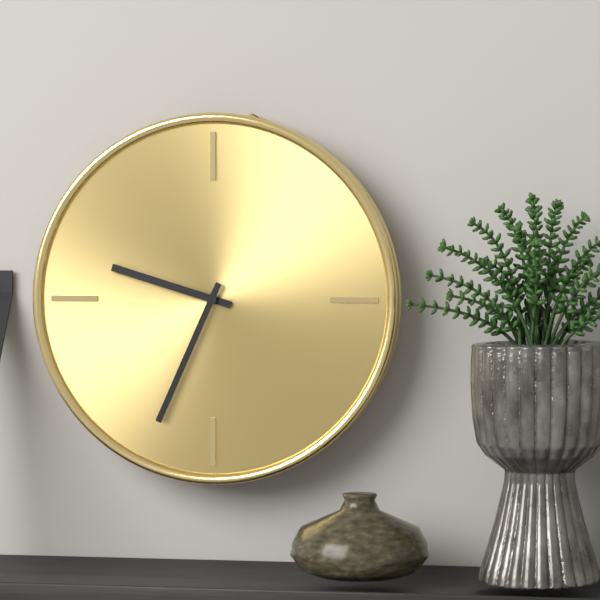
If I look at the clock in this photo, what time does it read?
9:34
